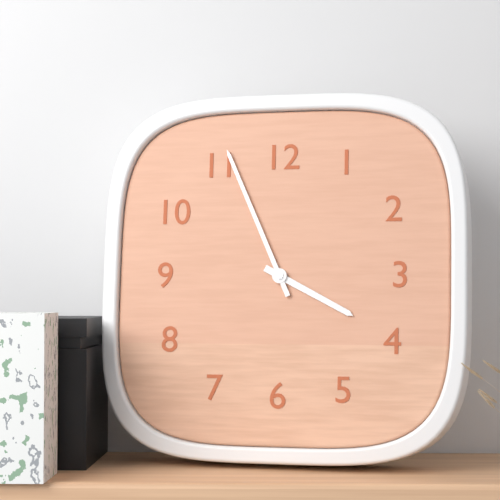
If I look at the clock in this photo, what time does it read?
3:56
